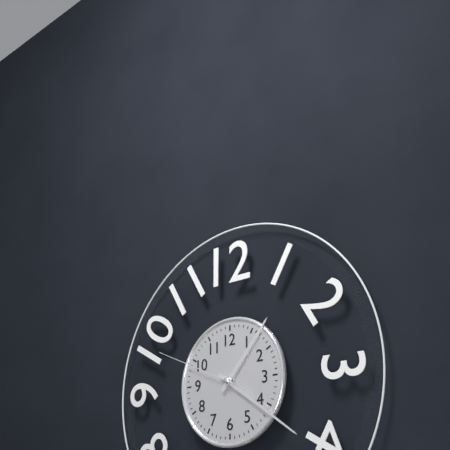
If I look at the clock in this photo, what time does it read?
1:21:49
